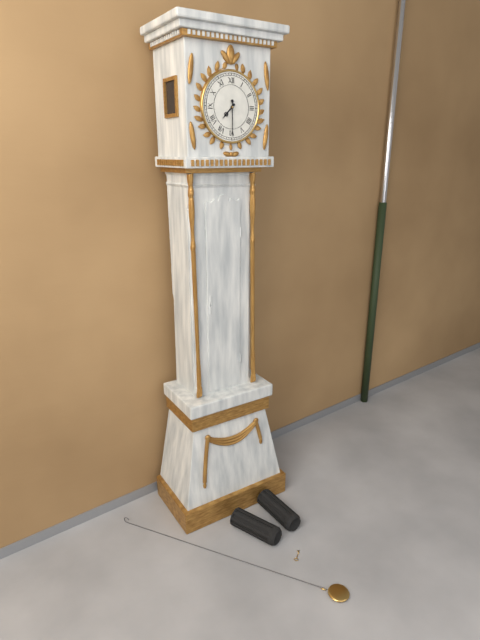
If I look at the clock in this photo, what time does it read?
7:30
